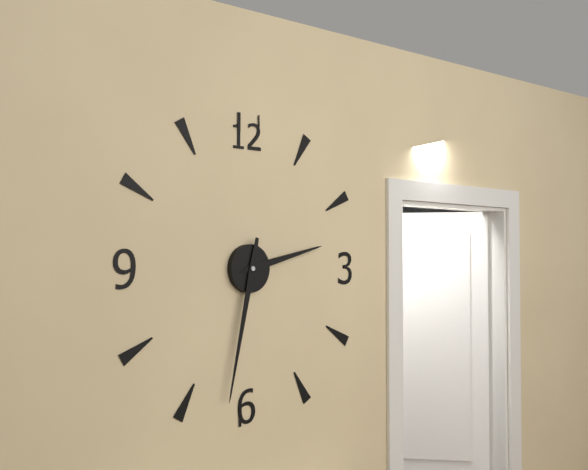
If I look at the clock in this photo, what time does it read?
2:32
